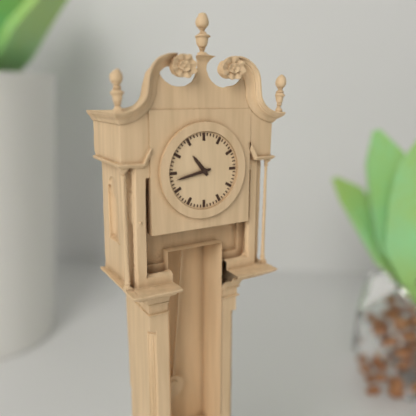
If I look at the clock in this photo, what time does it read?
10:43
